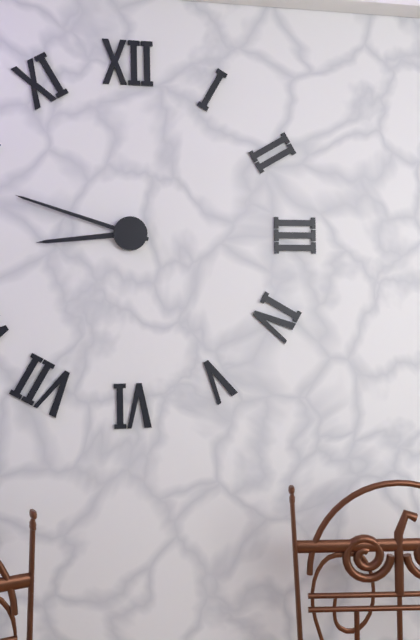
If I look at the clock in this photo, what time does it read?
8:48
